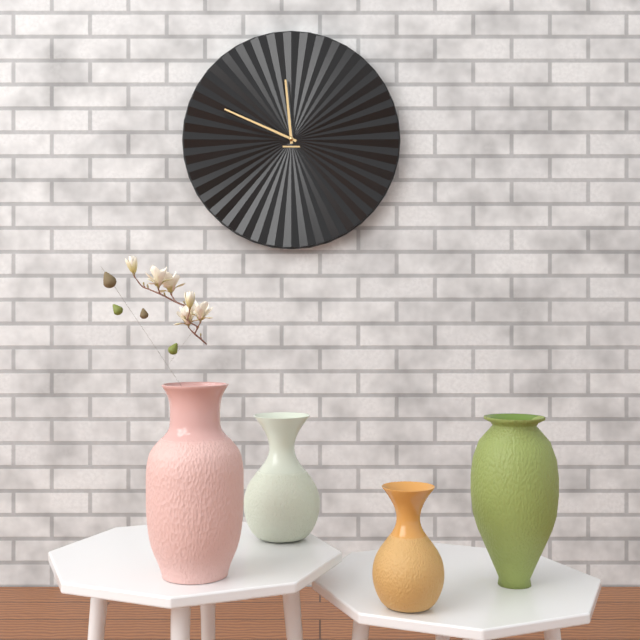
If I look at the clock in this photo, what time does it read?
11:49
